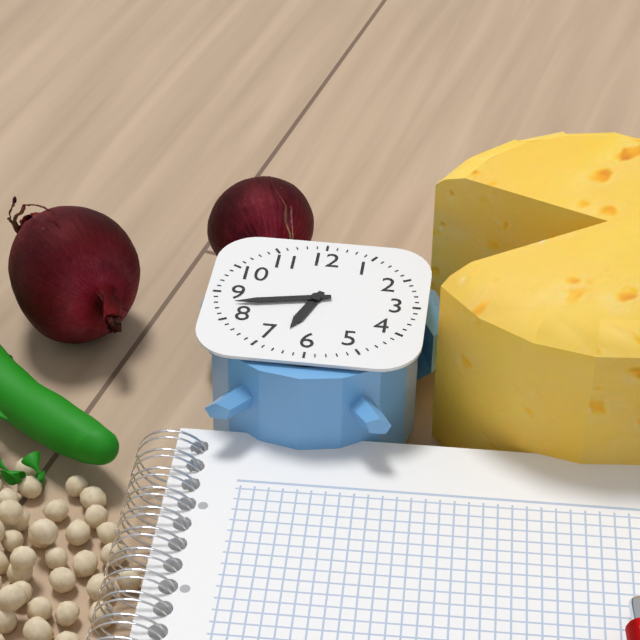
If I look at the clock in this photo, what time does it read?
6:43
